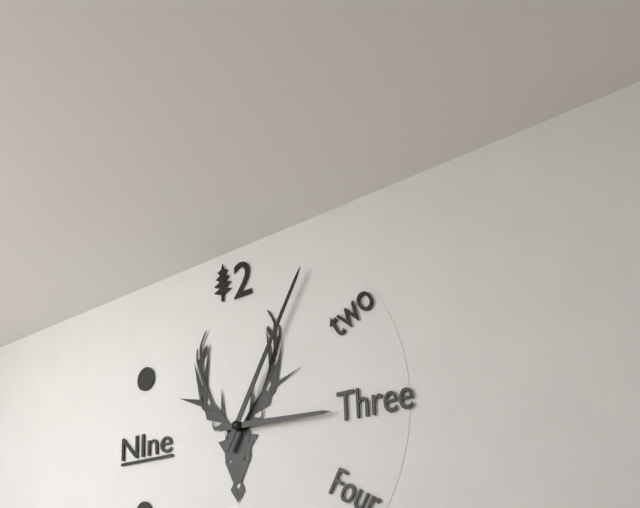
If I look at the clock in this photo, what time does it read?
3:05
